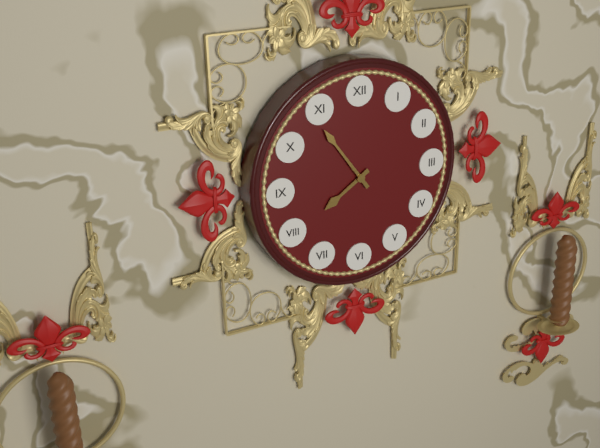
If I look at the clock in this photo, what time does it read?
7:54
